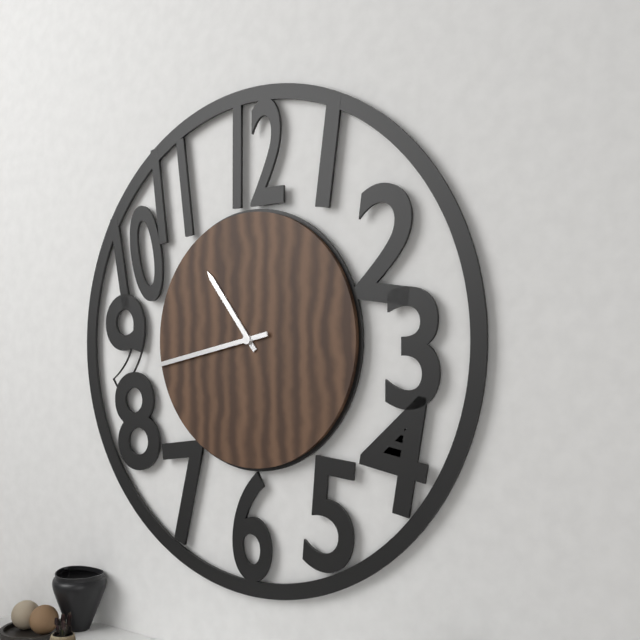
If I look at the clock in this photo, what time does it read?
10:43
